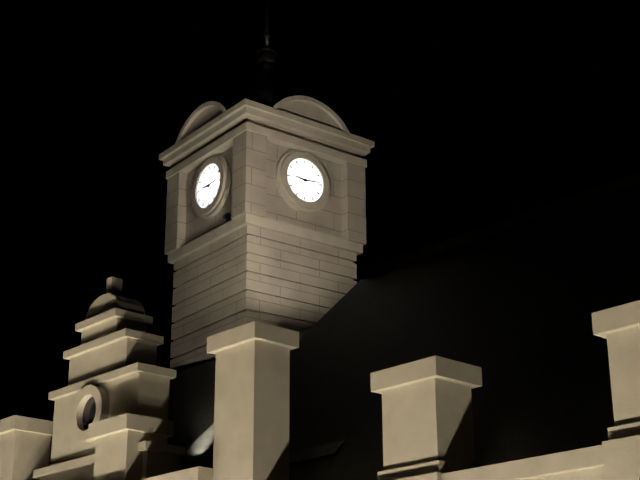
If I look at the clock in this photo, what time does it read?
9:14
